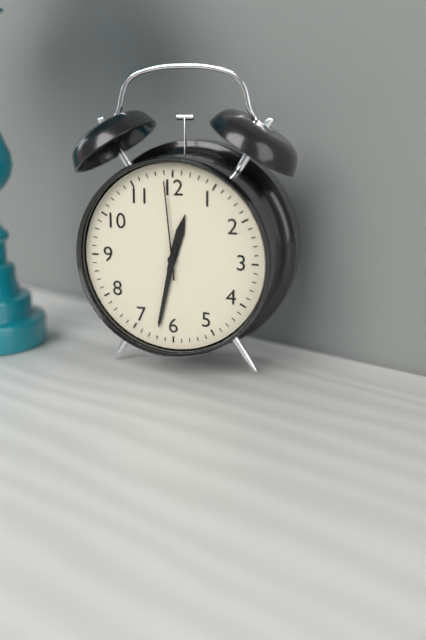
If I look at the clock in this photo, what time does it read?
12:32:59
